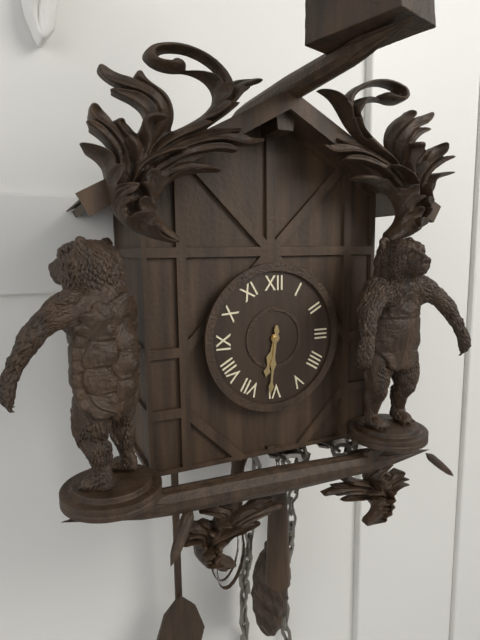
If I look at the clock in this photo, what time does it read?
6:31
